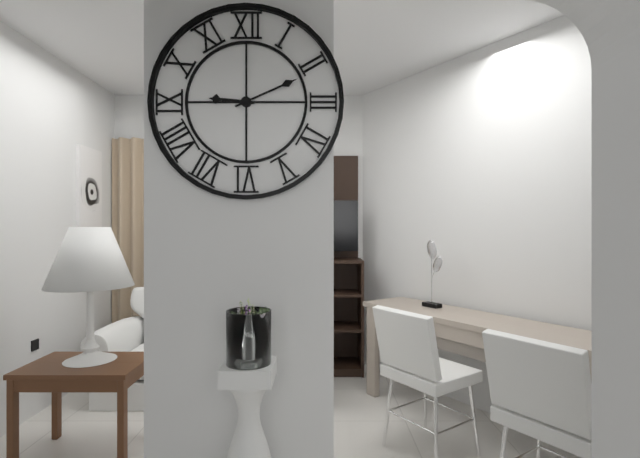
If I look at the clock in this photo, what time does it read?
9:11
